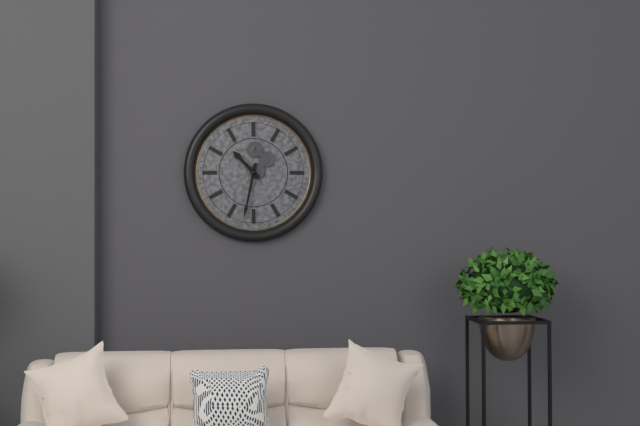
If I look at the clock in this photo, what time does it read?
10:32
